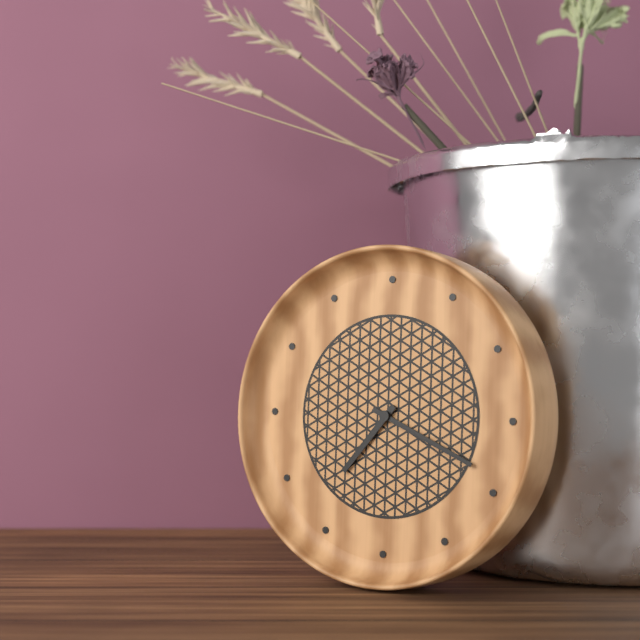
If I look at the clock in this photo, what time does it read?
7:19
